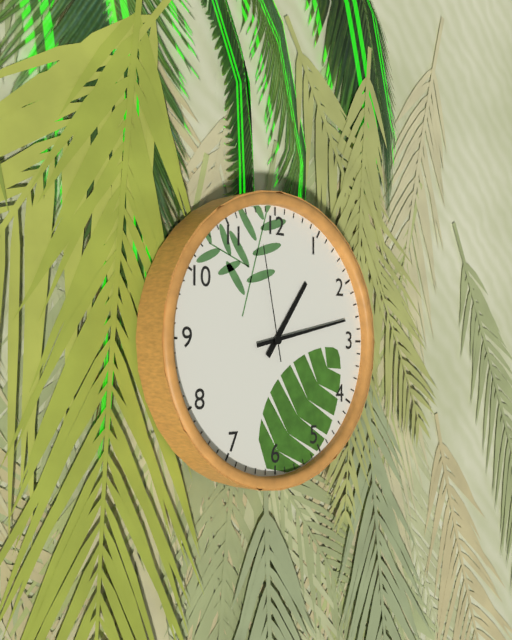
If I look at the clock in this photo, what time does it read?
1:13:58
